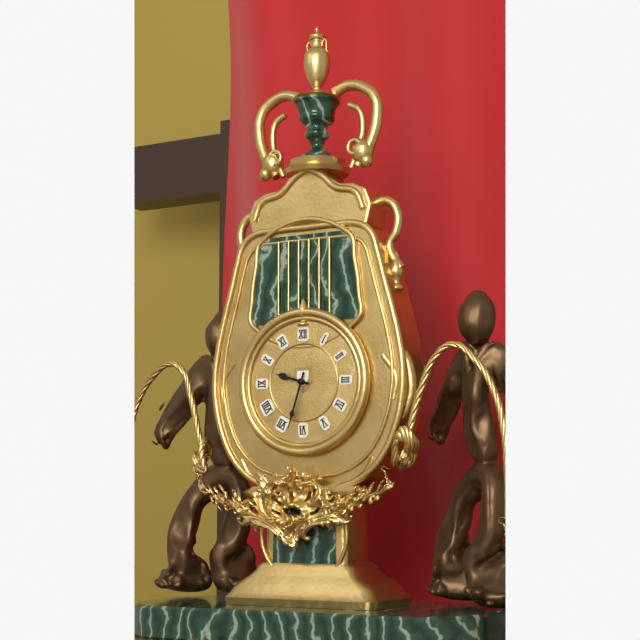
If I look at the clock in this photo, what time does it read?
9:33
